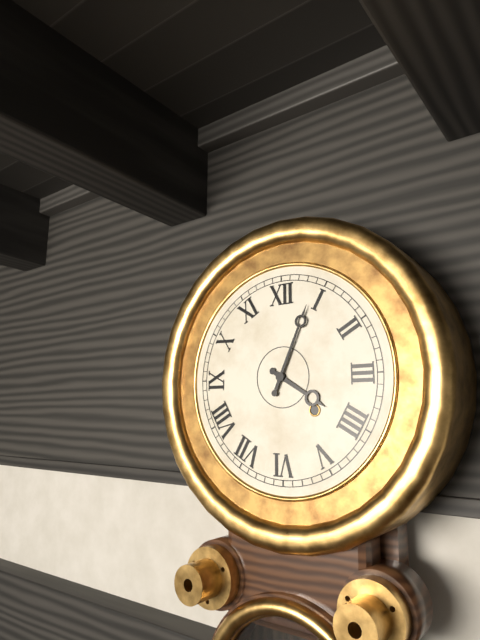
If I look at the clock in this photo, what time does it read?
4:04
